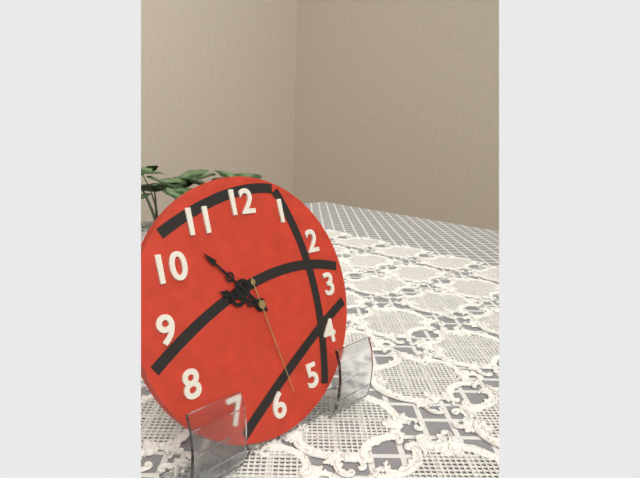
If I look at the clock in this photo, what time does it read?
9:53:28
